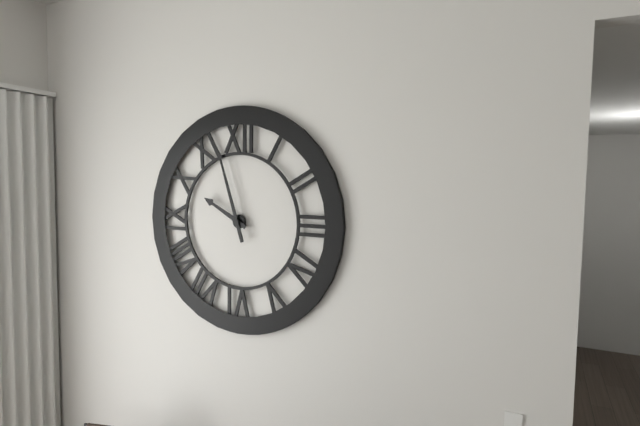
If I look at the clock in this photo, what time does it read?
9:57
